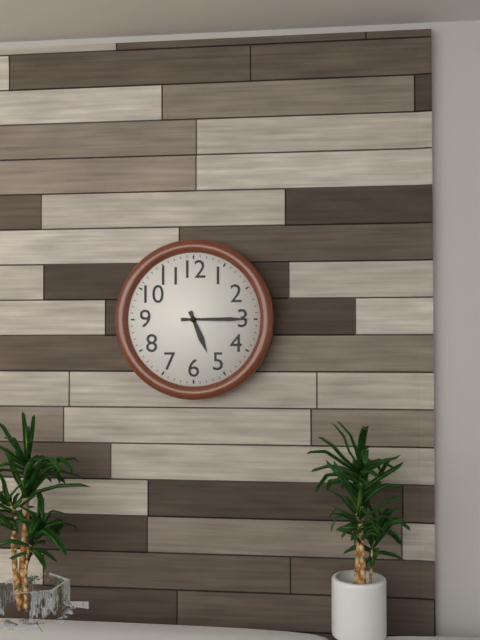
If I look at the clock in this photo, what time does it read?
5:15
